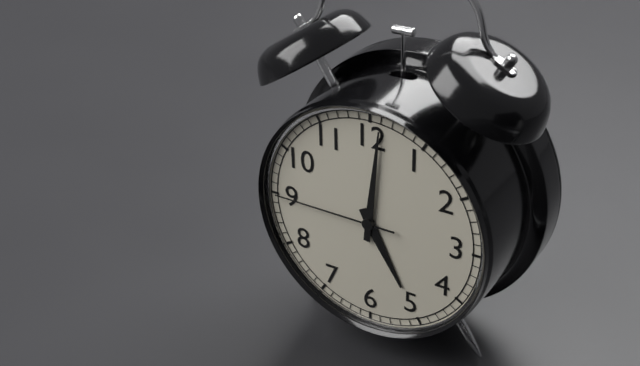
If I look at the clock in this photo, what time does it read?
5:01:45
